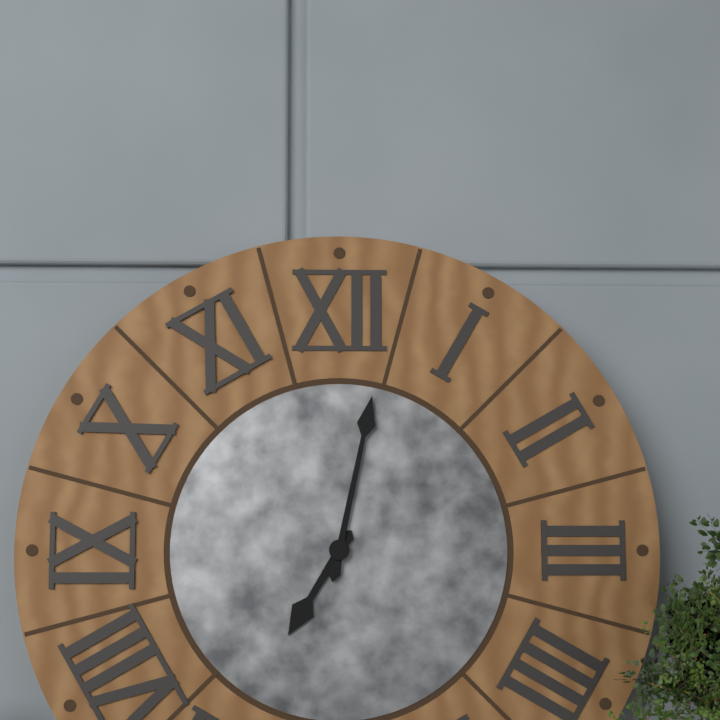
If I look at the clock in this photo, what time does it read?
7:02
